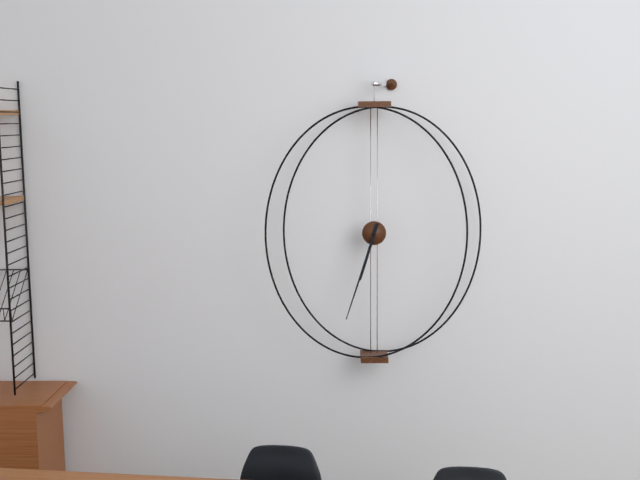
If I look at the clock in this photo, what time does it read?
6:33
